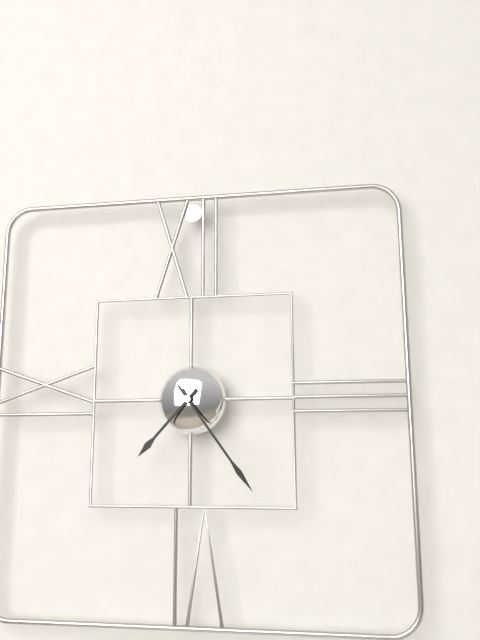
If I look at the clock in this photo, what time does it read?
7:24
